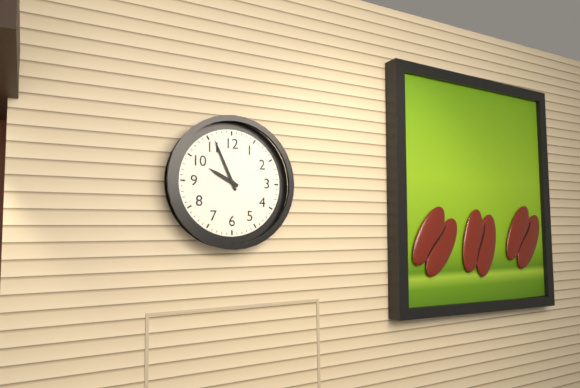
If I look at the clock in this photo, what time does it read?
9:56
